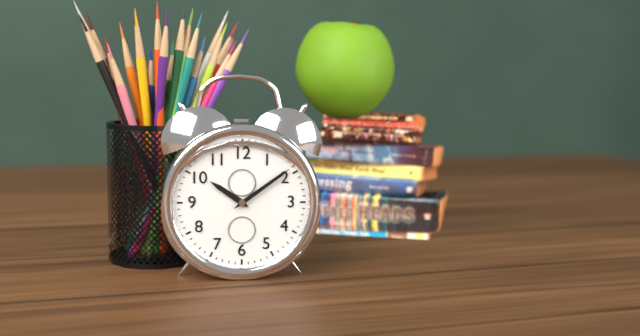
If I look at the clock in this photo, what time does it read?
10:09
